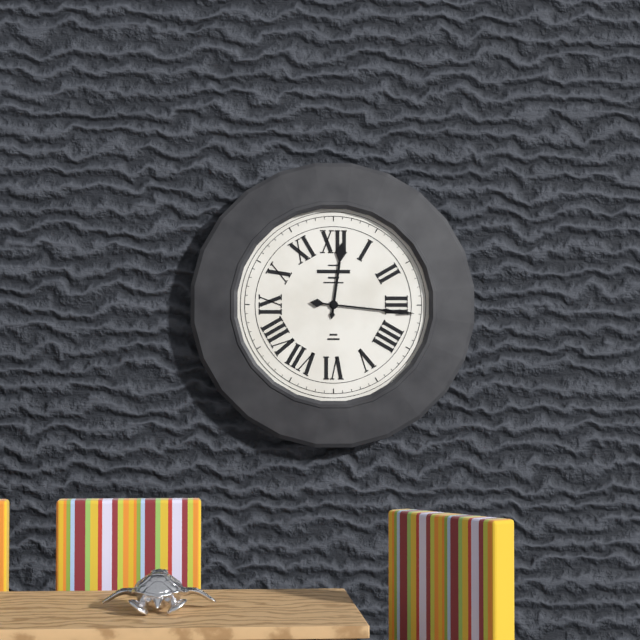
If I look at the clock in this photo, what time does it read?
12:16
